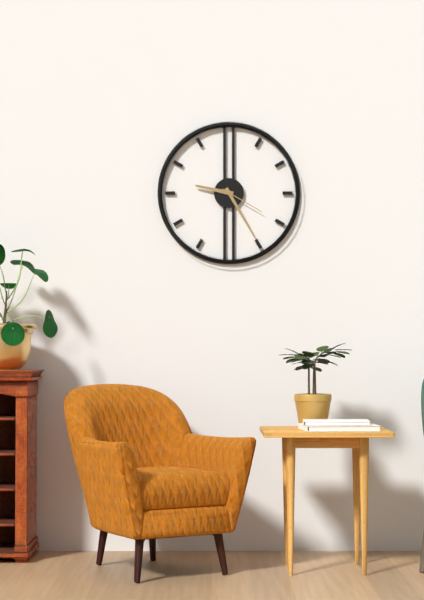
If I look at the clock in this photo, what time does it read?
9:25
